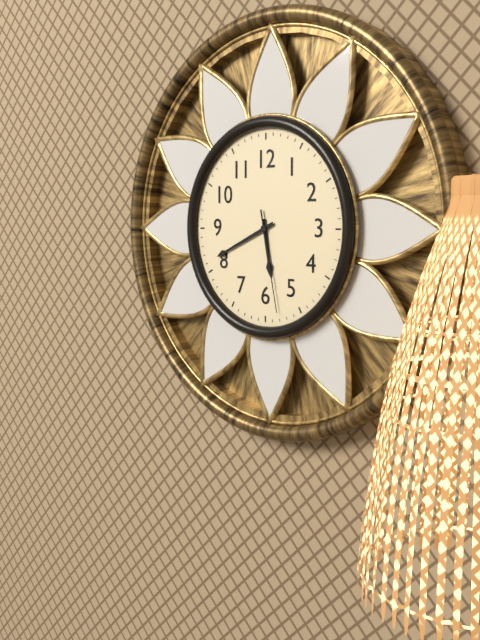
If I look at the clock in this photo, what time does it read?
5:41:28
